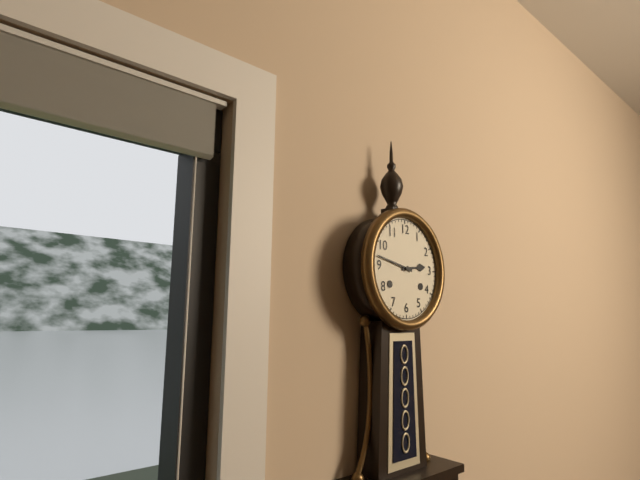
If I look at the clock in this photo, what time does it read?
2:47
